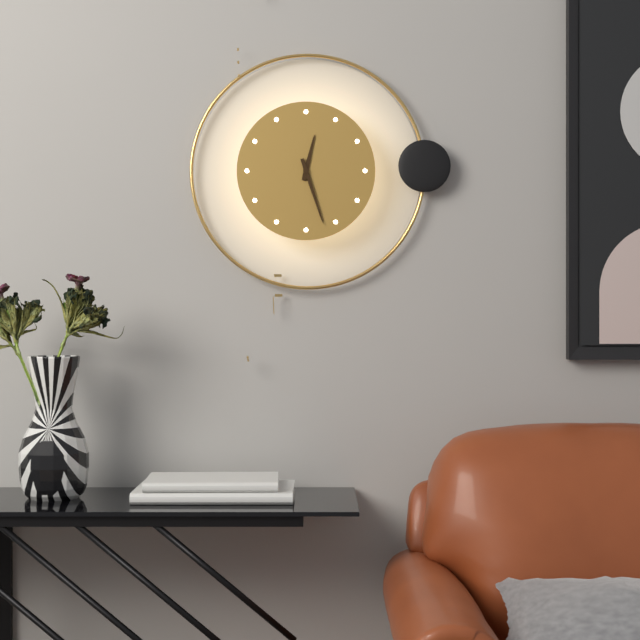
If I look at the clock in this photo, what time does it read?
12:27
